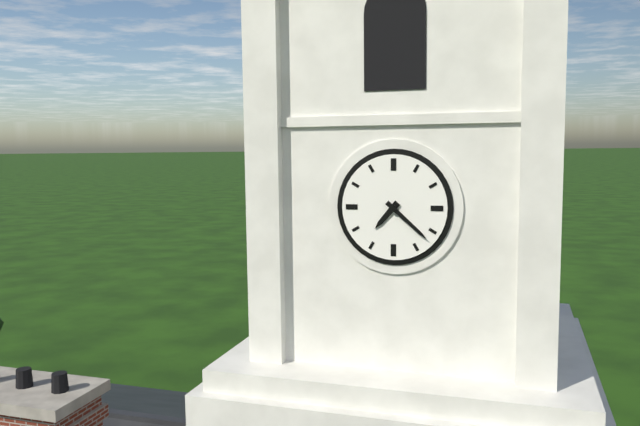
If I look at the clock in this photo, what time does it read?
7:22
